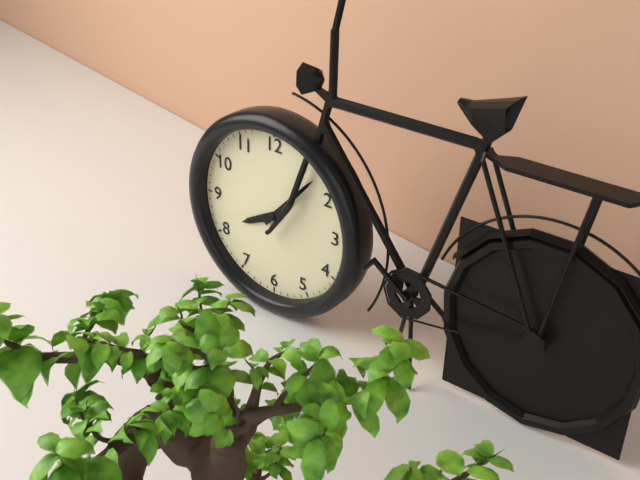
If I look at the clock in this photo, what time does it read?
8:07
